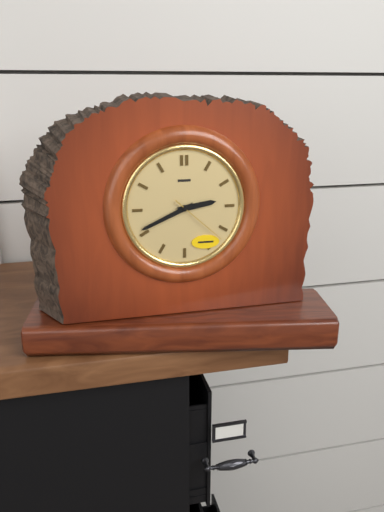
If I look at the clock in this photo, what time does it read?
2:41:22
